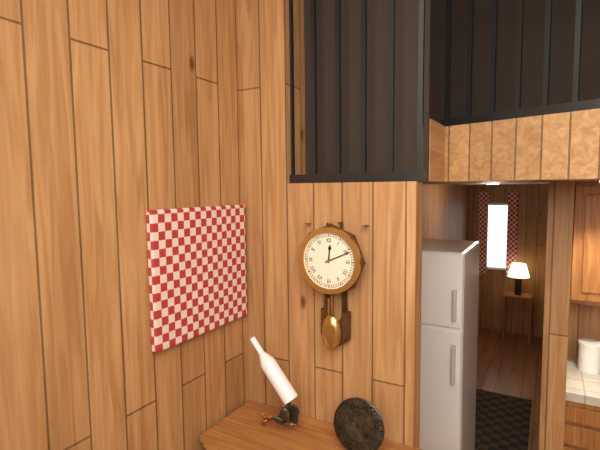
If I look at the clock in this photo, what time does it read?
12:11
